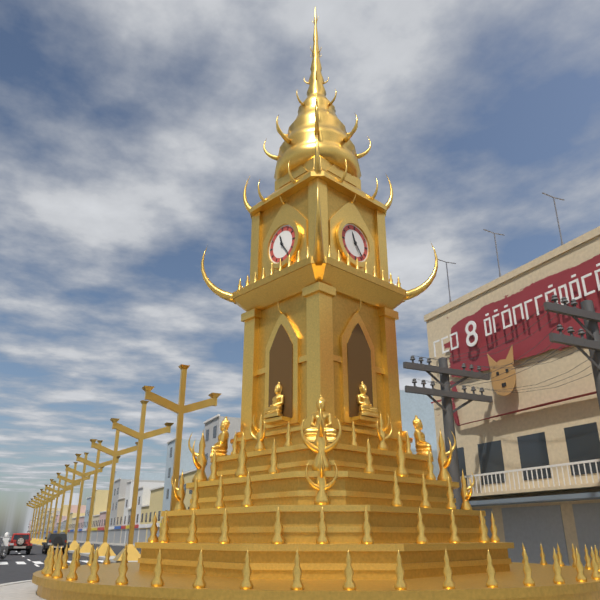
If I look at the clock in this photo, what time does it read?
11:24
